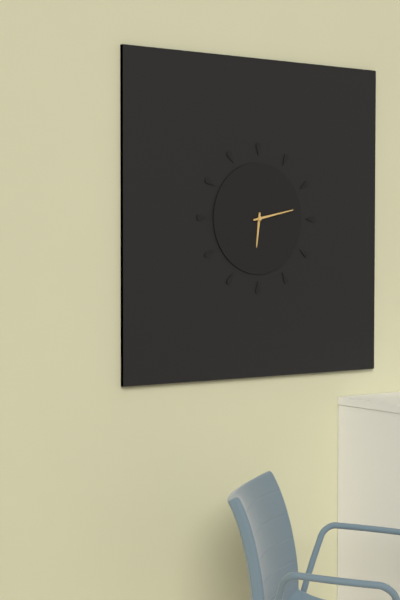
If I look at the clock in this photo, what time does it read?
6:13
